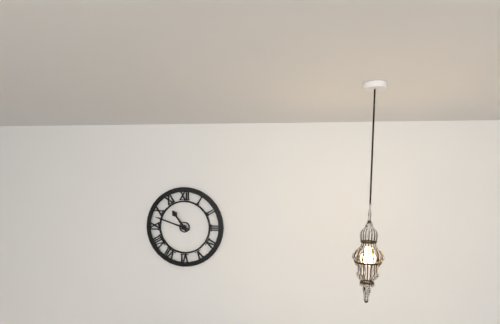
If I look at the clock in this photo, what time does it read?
10:48
